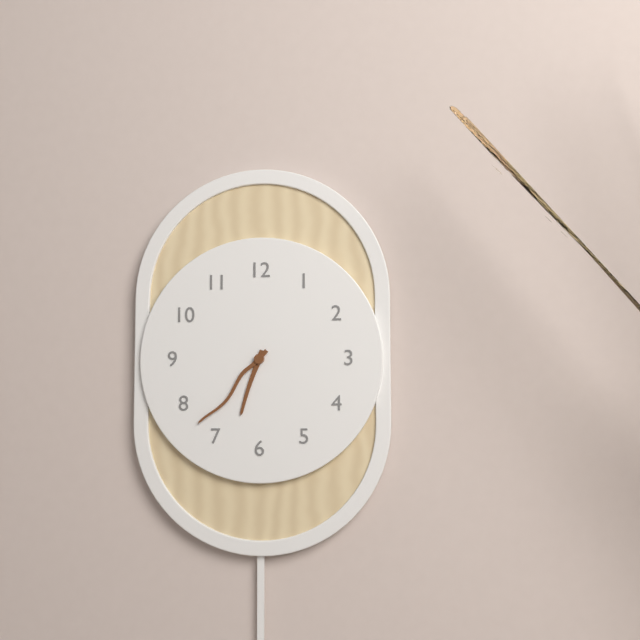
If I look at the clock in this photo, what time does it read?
6:37
